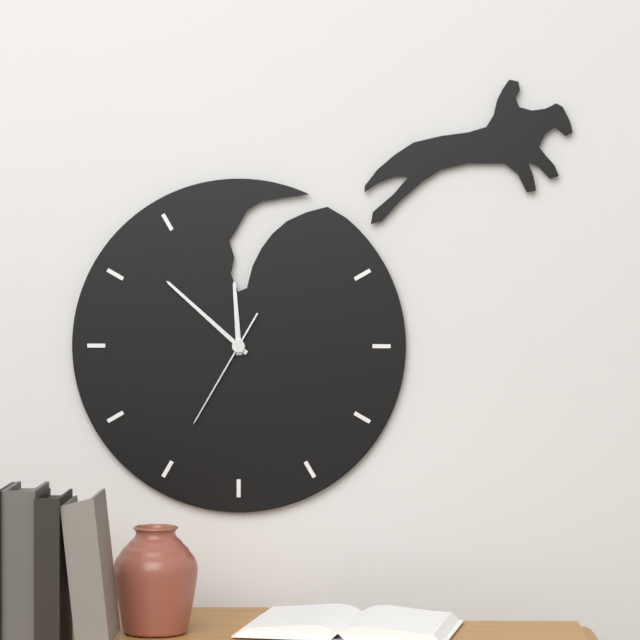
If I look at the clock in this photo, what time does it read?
11:52:35
